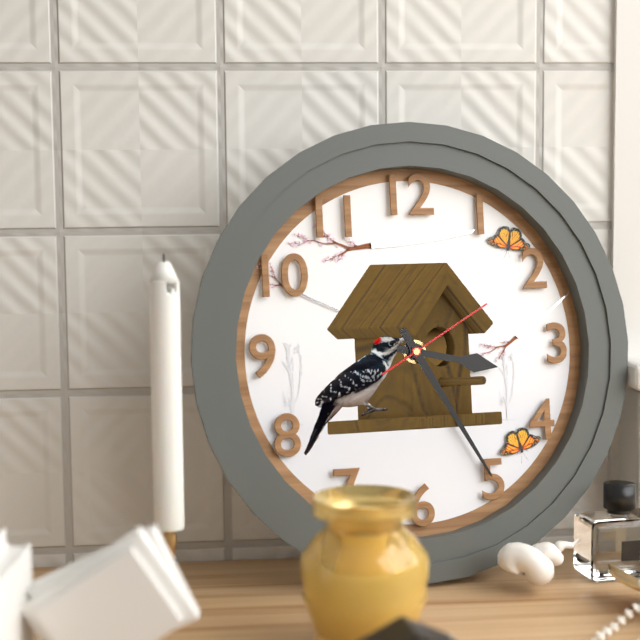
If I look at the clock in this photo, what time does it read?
3:25:10
